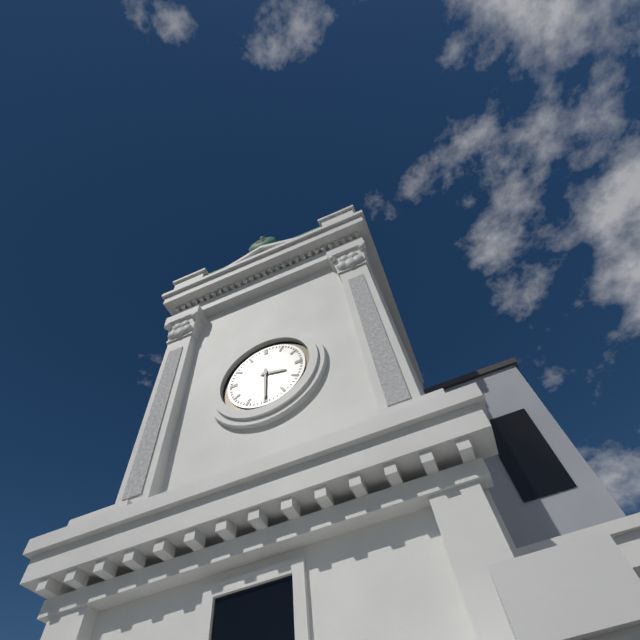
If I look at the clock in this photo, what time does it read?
3:30
